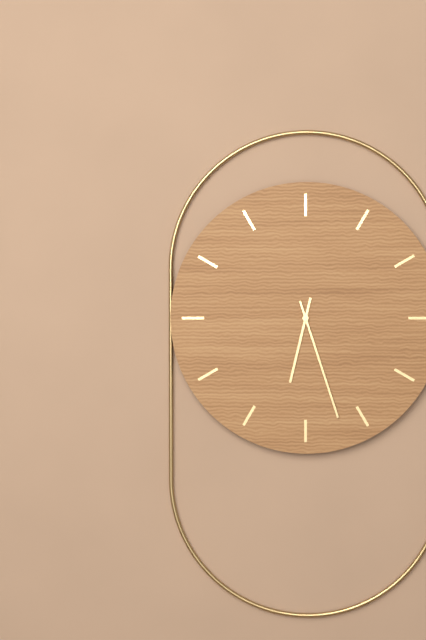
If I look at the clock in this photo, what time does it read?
6:27
